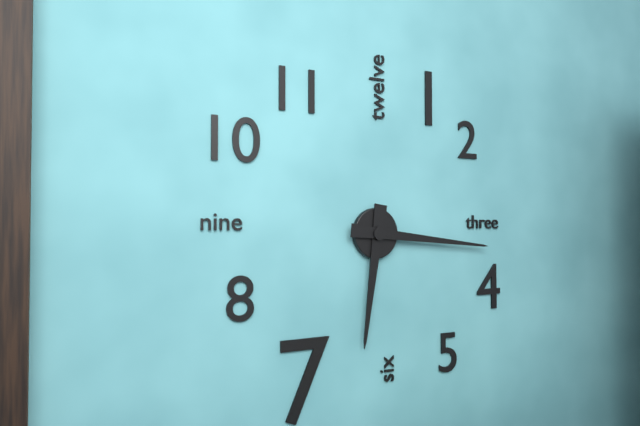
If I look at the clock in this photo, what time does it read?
6:16
